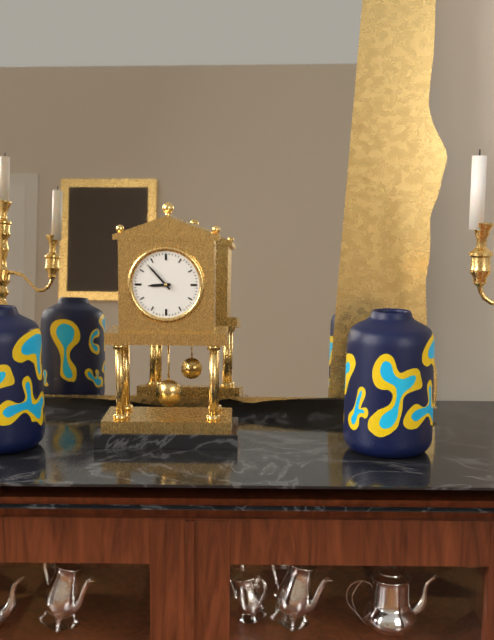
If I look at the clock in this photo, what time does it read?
8:53
